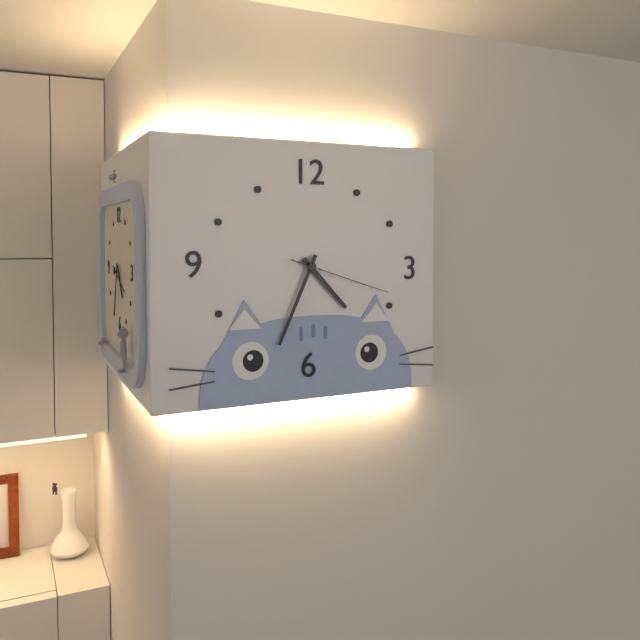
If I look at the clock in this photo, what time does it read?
4:34:18
